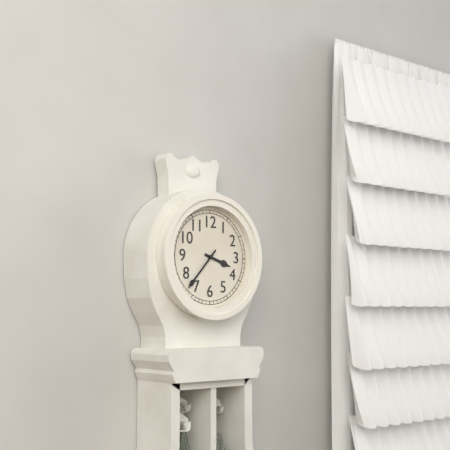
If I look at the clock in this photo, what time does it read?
3:37
